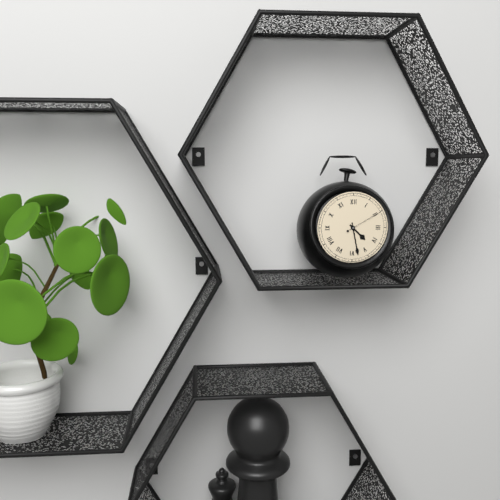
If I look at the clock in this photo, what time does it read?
4:28
